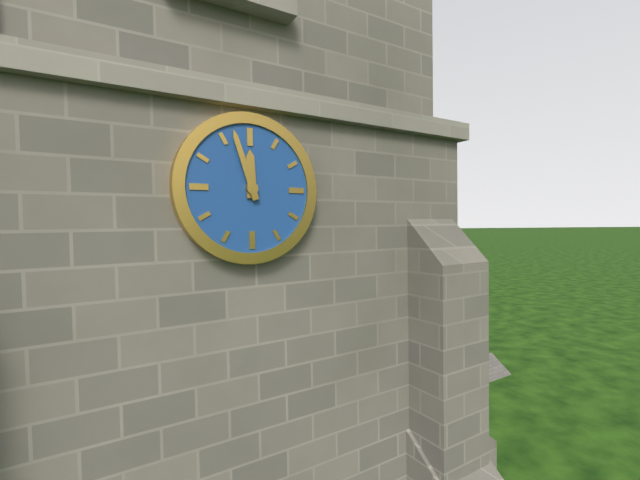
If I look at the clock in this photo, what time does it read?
11:57
